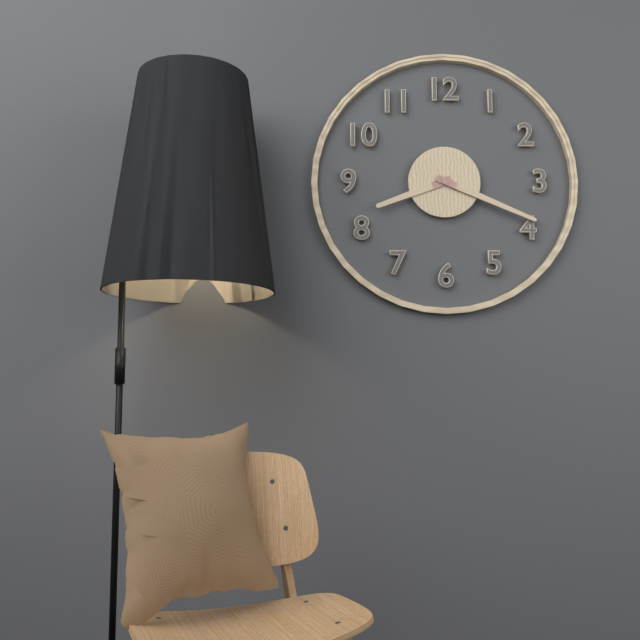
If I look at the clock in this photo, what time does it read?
8:19
